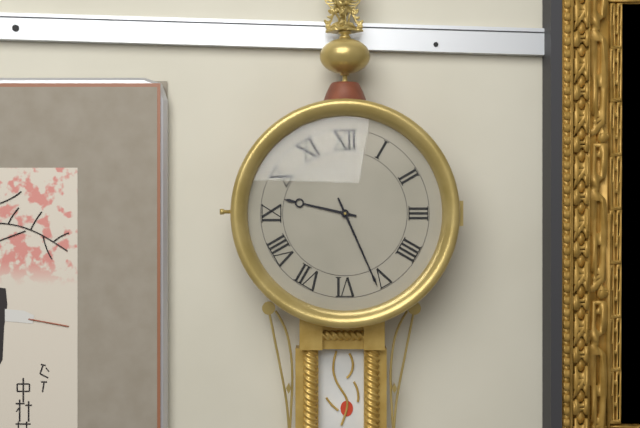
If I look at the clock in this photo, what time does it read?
9:26
